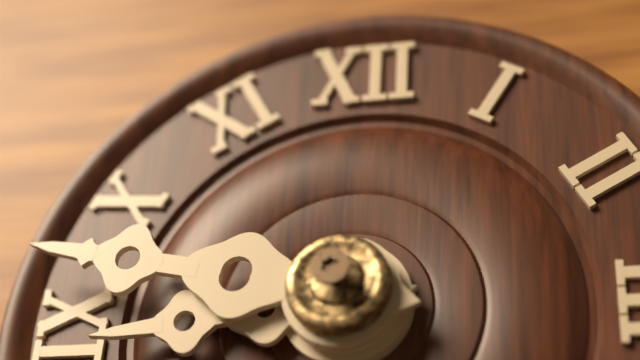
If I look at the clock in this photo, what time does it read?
8:47
